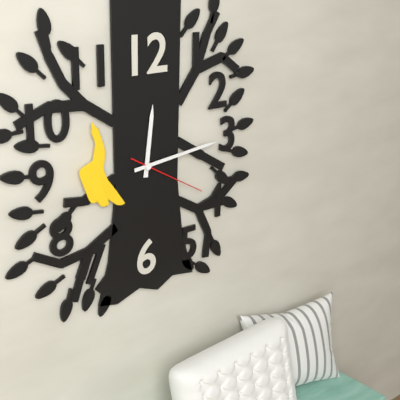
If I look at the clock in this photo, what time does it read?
12:14:20
